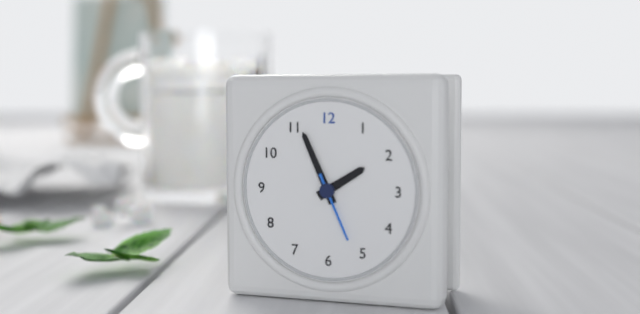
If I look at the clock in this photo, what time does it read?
1:56:26
